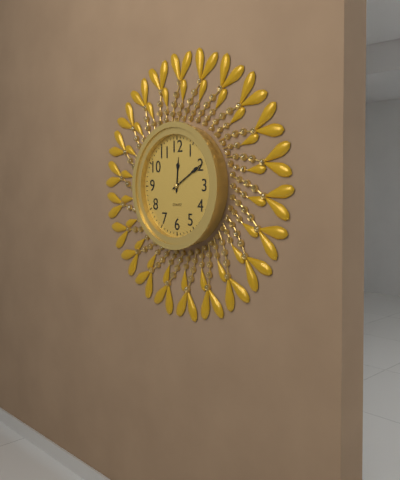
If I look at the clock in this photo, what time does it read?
12:10
